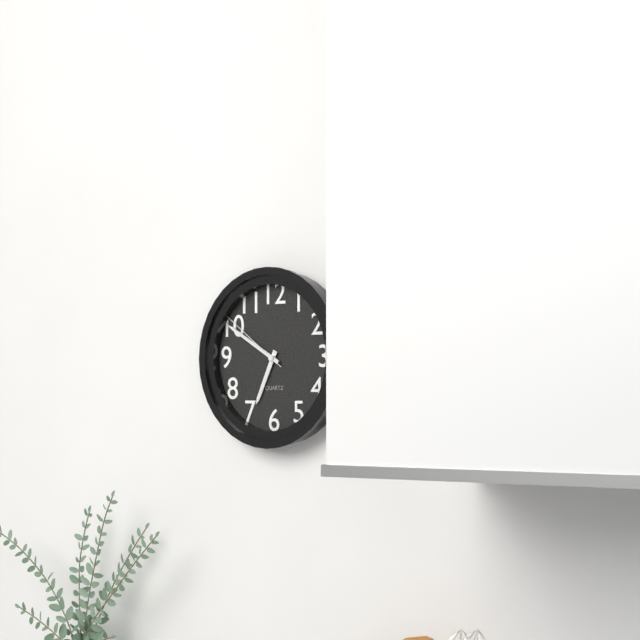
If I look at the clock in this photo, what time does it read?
6:50:51
